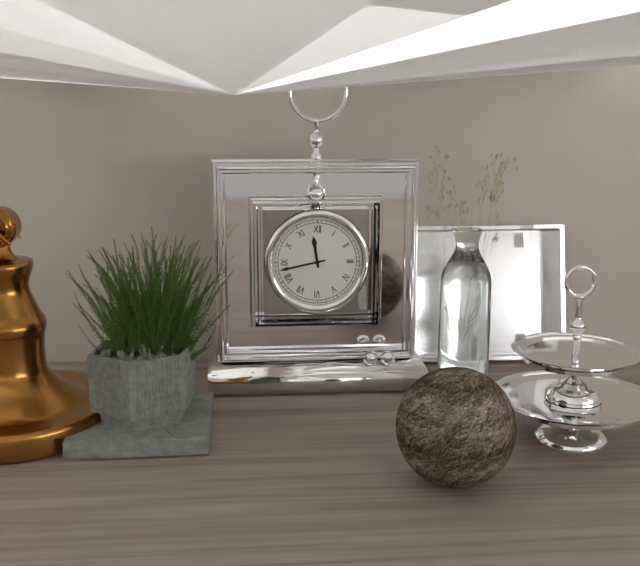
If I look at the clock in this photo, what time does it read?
11:43
